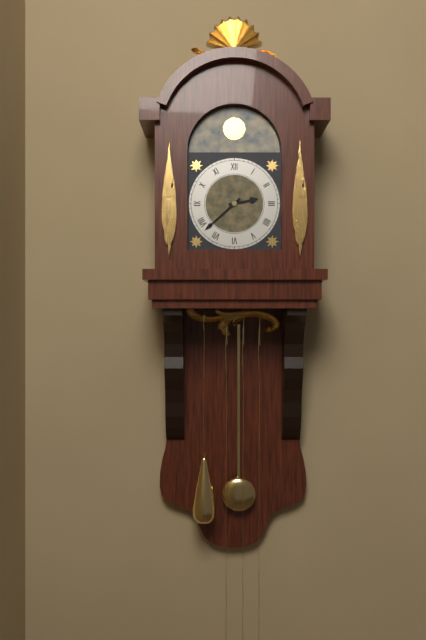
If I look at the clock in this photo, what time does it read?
2:38
